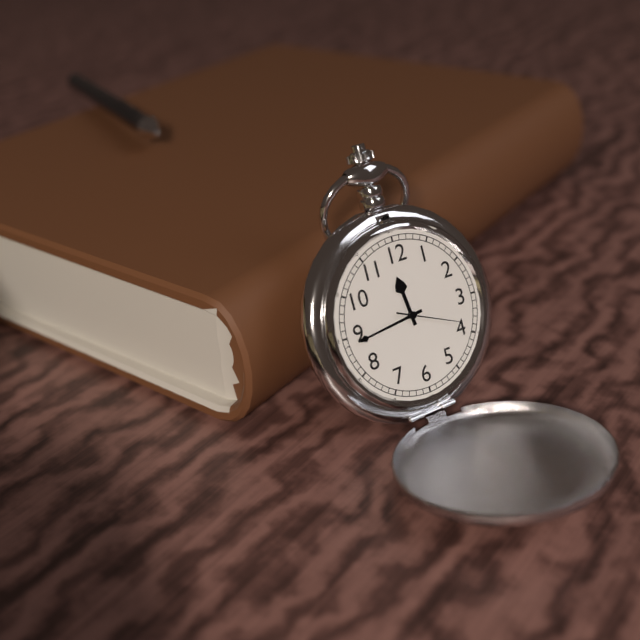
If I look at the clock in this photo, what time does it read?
11:44:19
